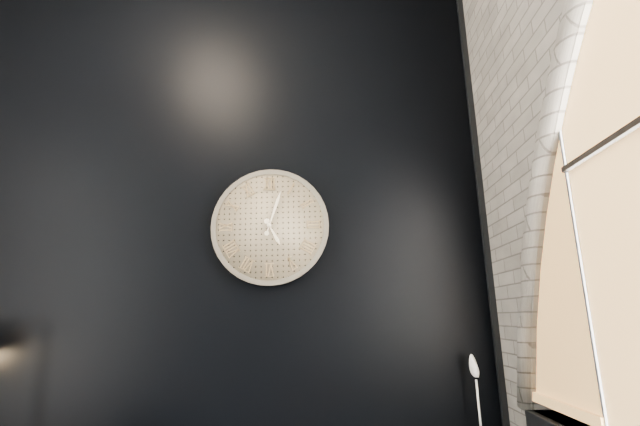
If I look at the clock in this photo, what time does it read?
5:03
